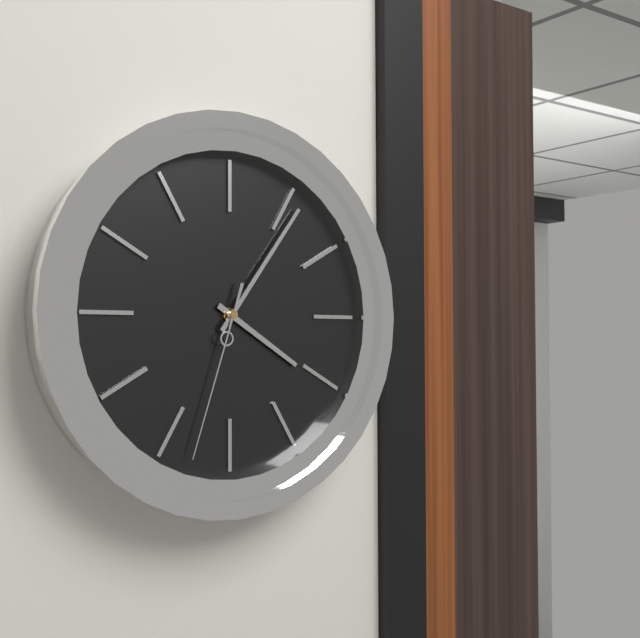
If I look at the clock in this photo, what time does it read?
4:06:33
